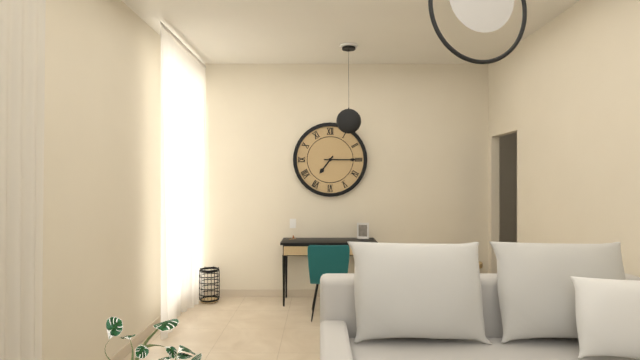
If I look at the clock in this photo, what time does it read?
7:15
